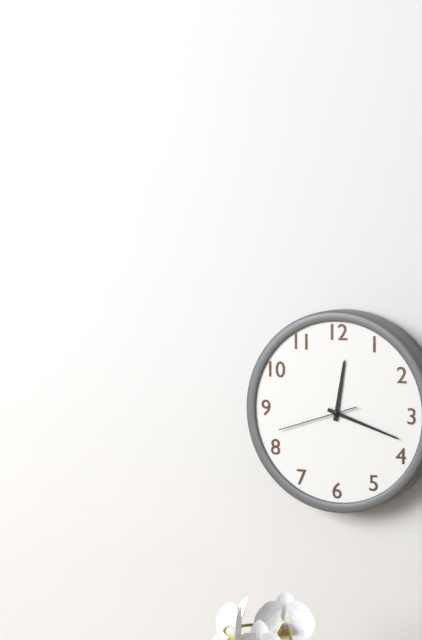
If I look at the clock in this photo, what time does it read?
12:18:42
